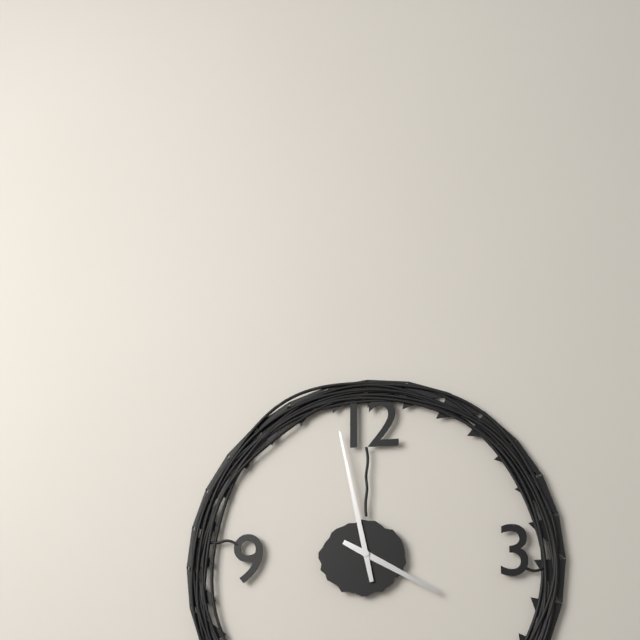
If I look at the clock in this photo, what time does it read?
3:58
